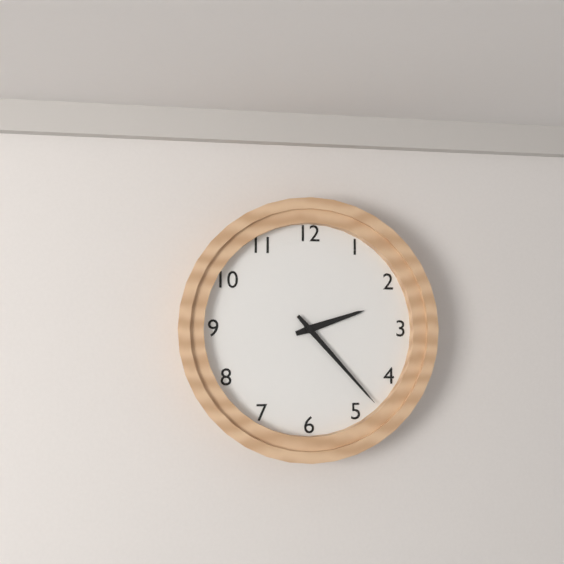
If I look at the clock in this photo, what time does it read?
2:23
